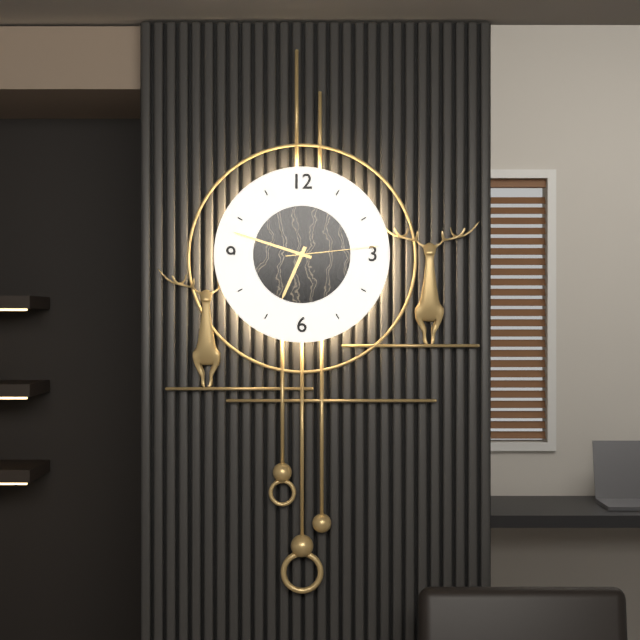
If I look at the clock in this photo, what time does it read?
6:48:14
